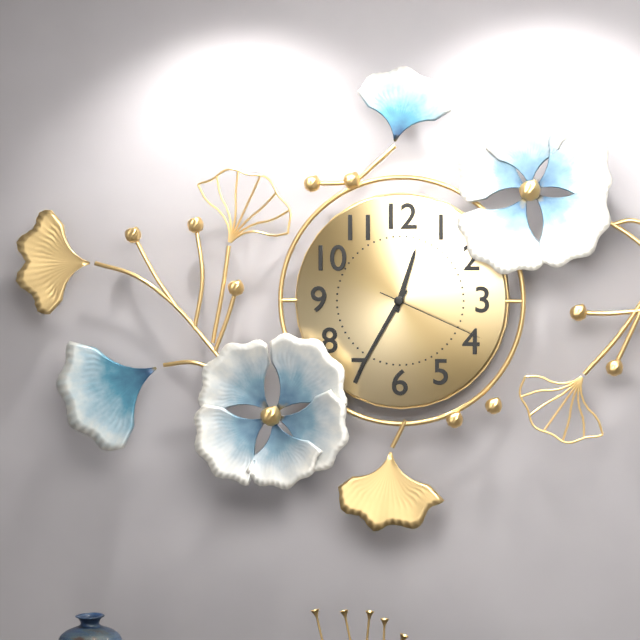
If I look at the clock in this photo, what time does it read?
12:35:19
